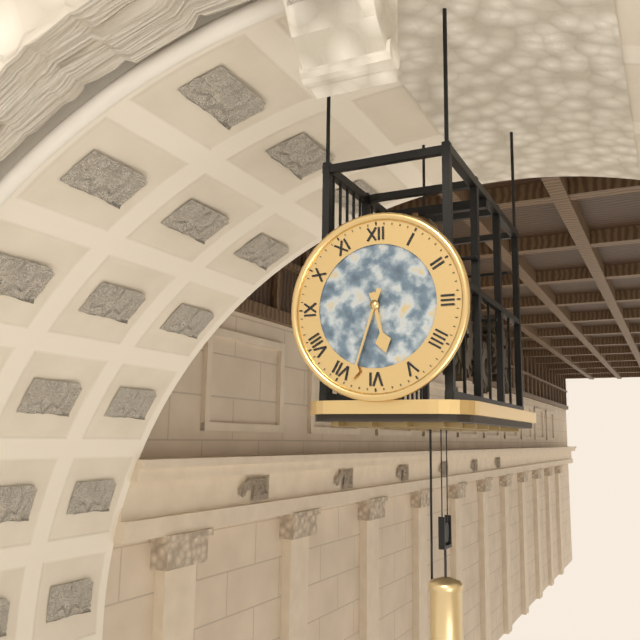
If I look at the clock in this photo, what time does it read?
5:33
